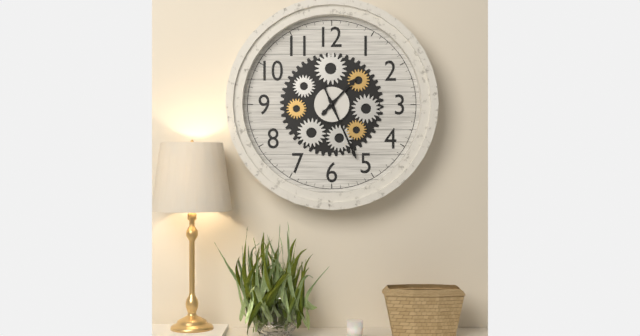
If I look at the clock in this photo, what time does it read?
1:26
